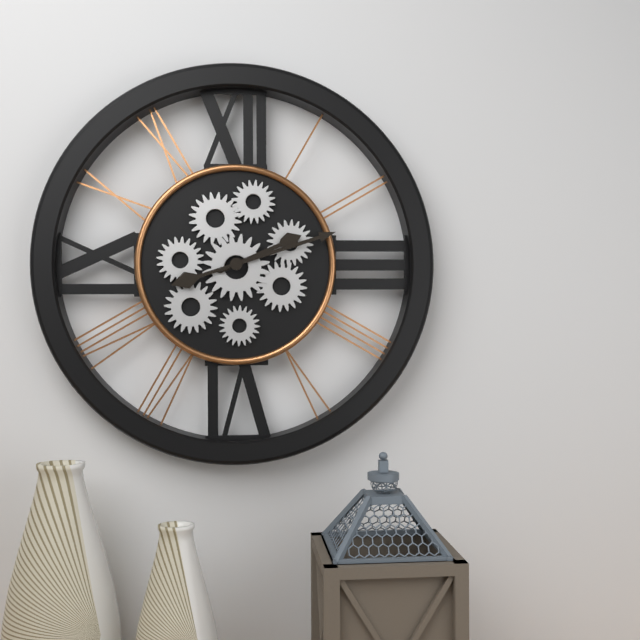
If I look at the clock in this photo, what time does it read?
2:12
